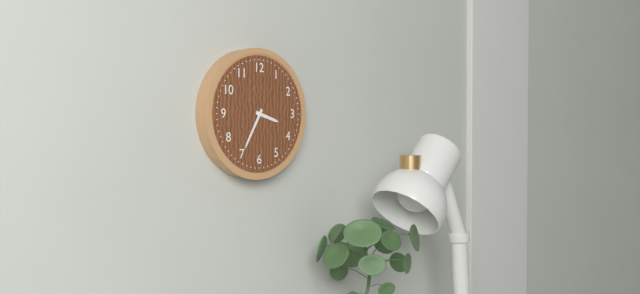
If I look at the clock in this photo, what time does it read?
3:35
